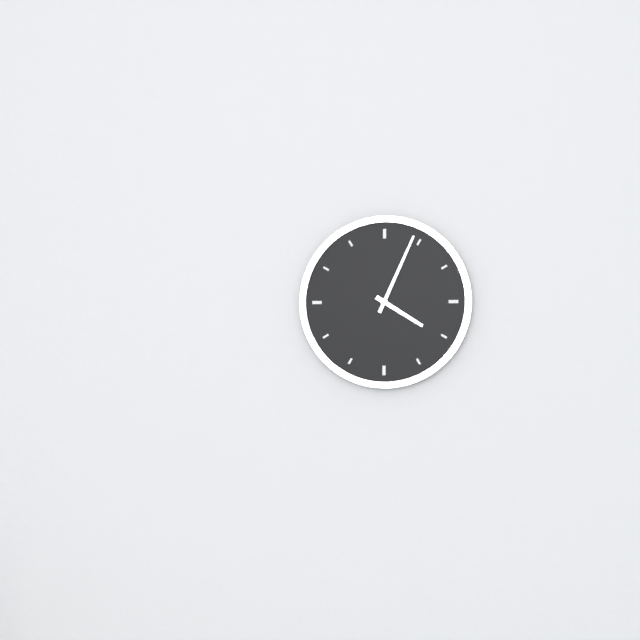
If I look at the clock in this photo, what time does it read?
4:04
